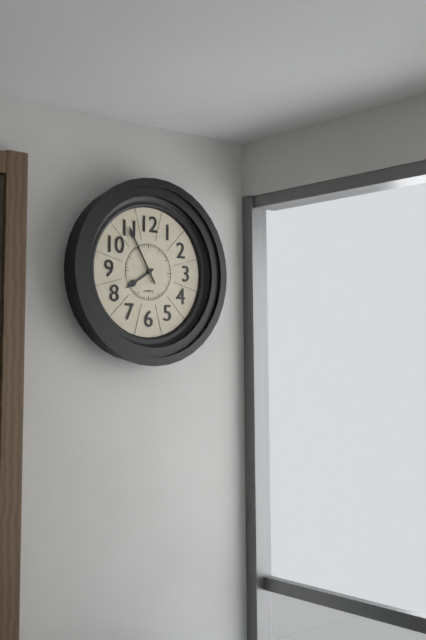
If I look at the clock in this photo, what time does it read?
7:55
